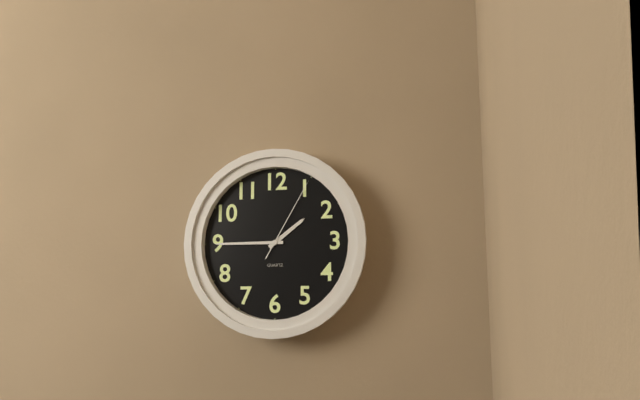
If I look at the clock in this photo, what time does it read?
1:45:05
